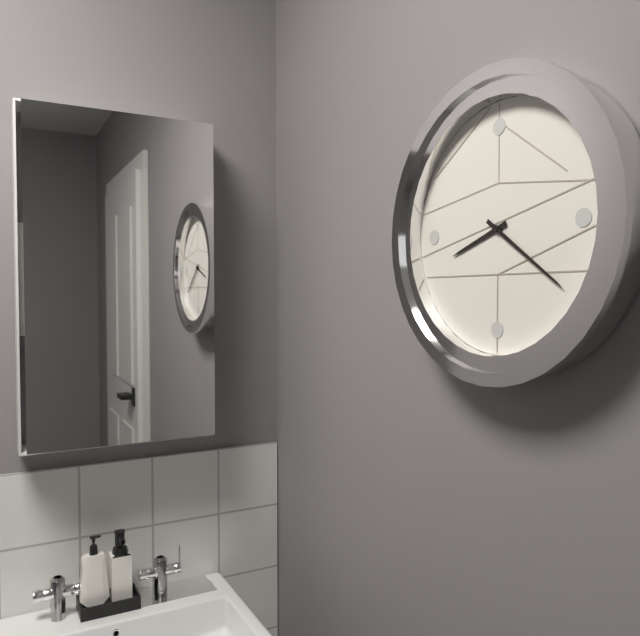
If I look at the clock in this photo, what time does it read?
8:21
